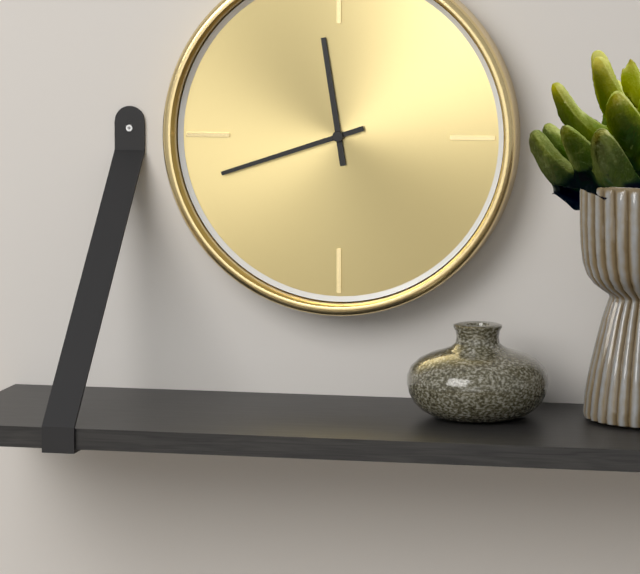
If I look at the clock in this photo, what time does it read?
11:42
